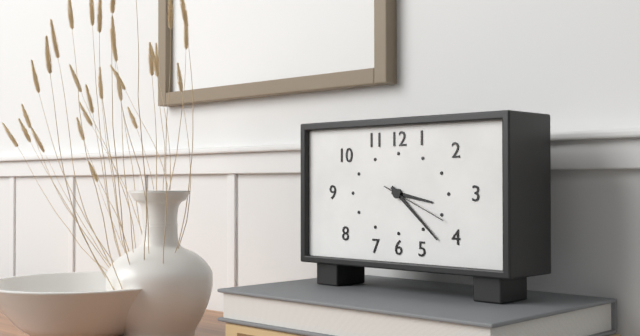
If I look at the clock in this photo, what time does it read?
3:22:19
